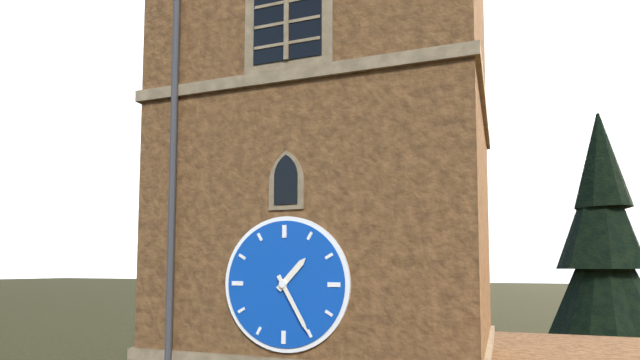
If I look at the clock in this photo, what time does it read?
1:25
